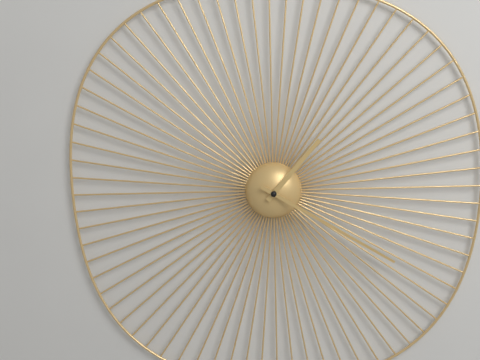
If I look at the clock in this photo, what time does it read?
1:20
